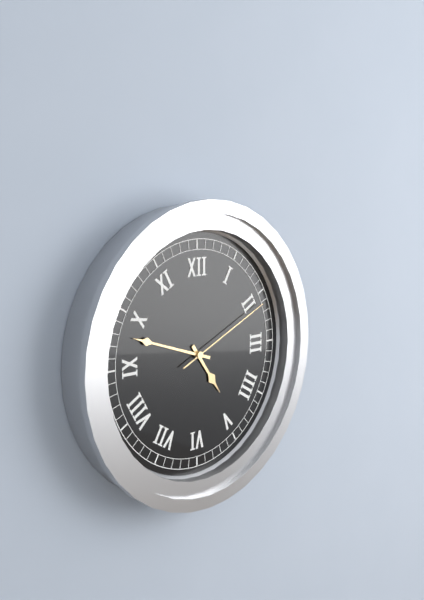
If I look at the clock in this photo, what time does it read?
4:48:11
